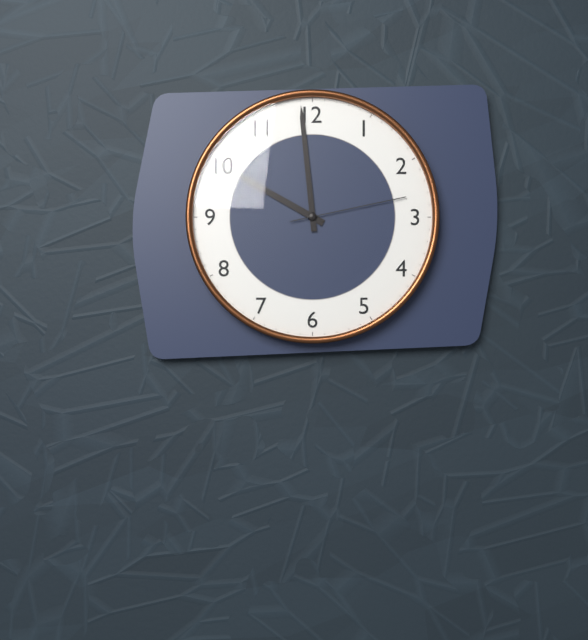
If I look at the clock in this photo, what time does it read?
9:59:13
